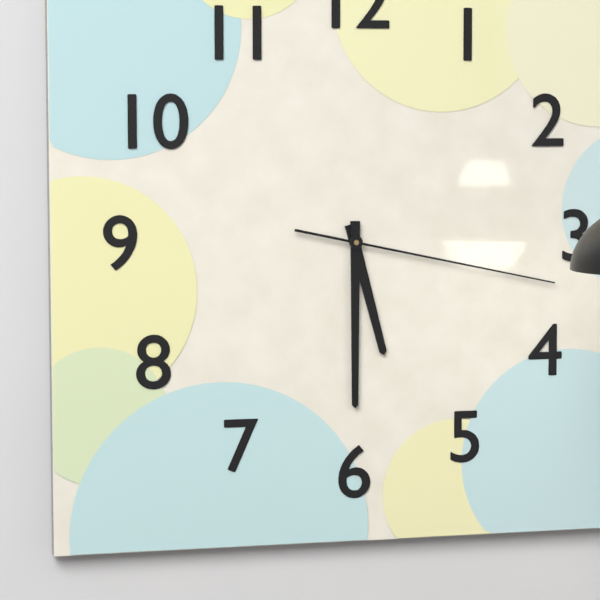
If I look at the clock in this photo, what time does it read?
5:30:17
